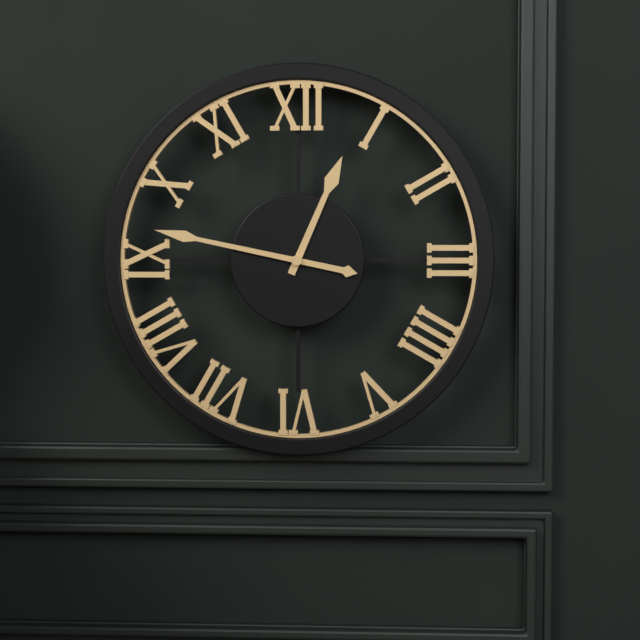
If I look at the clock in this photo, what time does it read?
12:47
